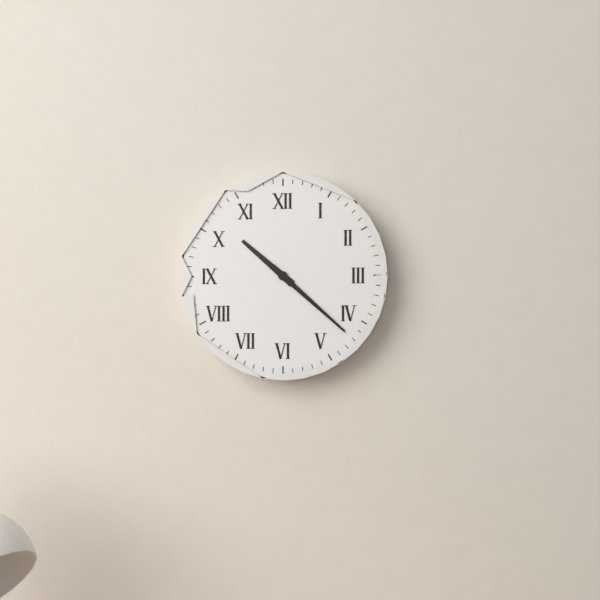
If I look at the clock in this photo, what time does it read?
10:22
